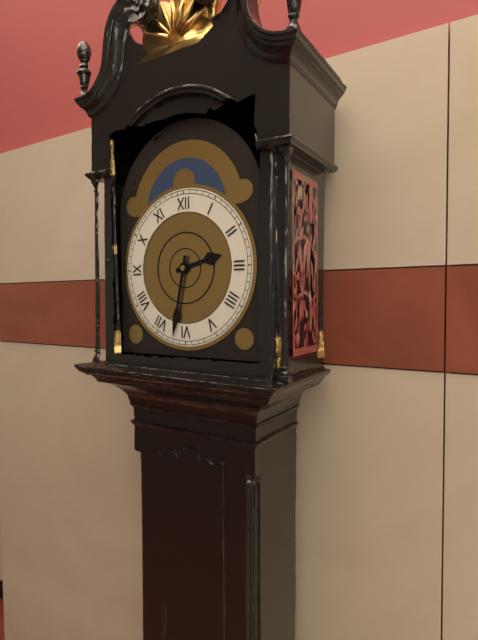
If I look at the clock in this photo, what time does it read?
2:32
